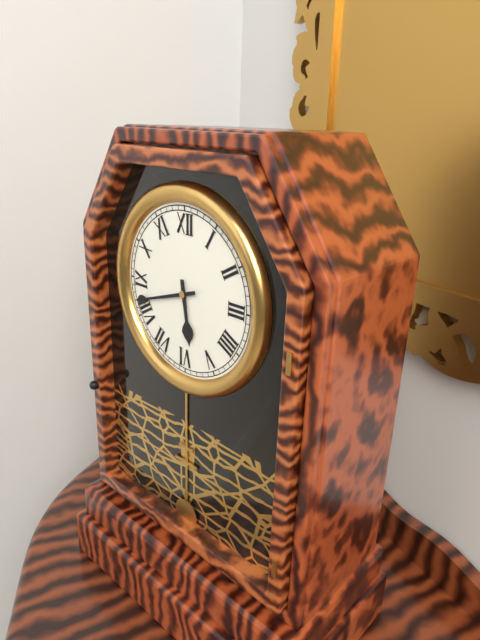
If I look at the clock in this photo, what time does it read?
5:42
